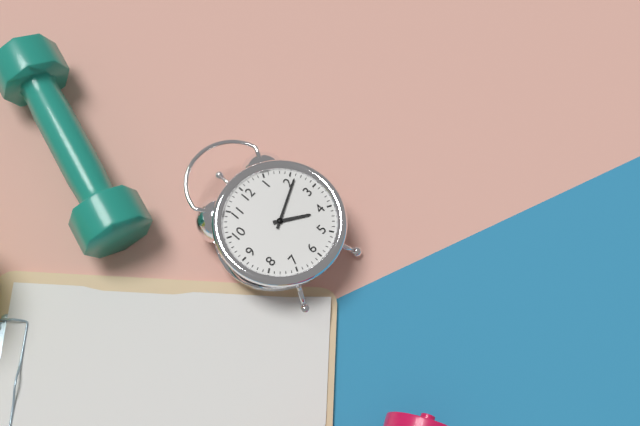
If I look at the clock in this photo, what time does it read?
4:11
